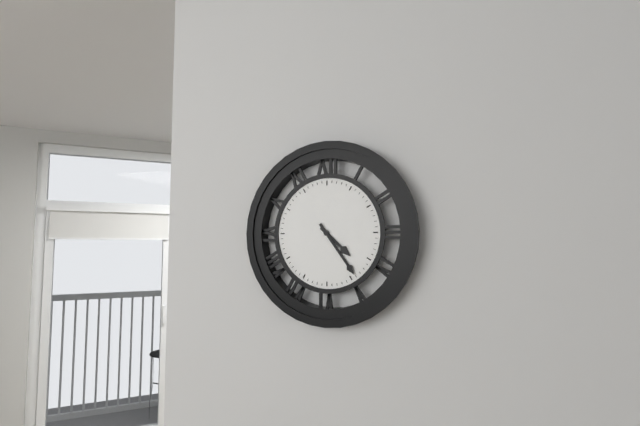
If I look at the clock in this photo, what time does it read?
4:24
